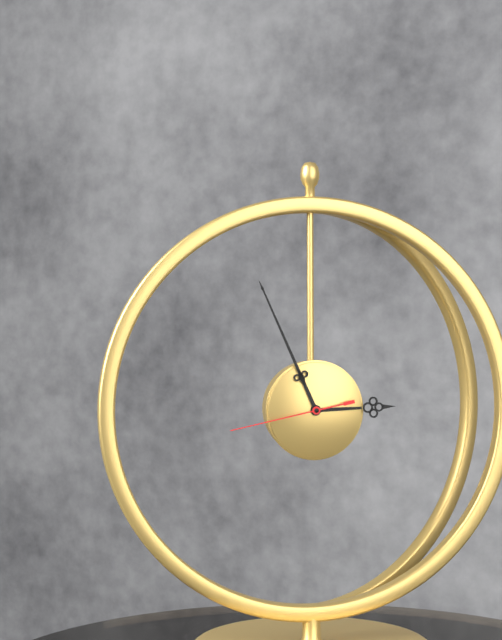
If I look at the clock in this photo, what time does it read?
2:56:43
